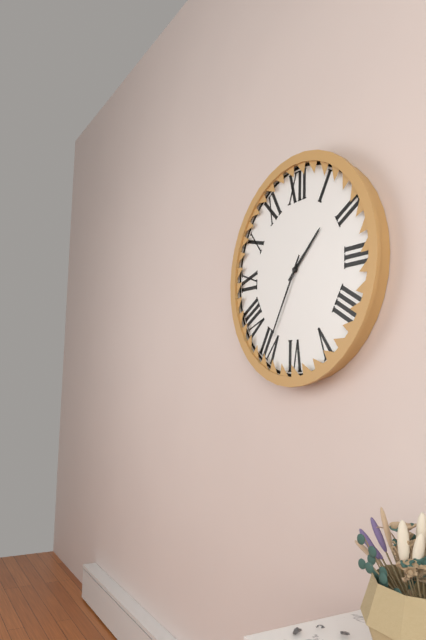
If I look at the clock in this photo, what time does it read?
1:35
